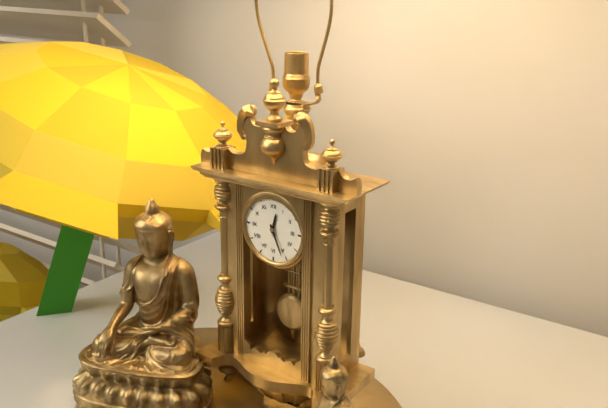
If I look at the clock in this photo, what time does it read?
12:26
